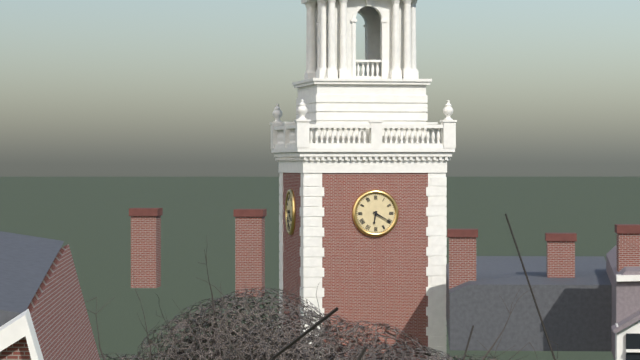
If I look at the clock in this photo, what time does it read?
6:20
